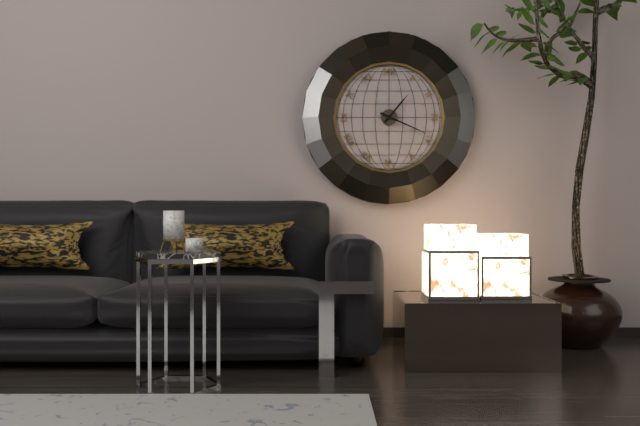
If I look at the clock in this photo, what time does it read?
1:19
